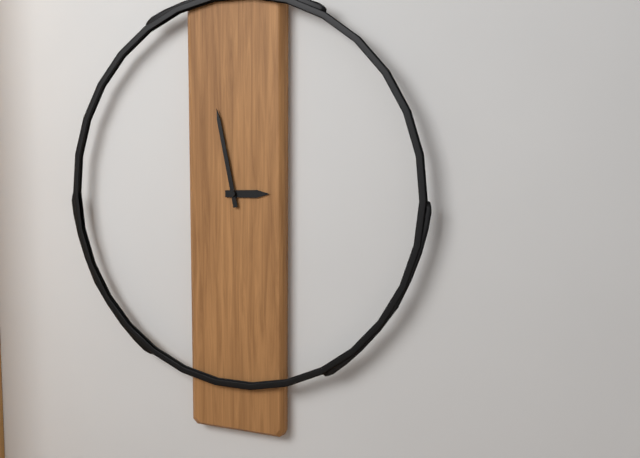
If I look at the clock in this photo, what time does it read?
2:58
